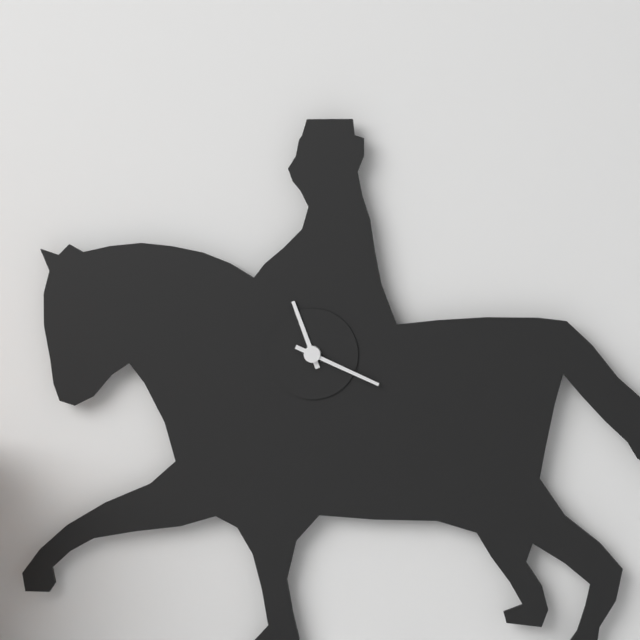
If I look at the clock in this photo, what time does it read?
11:19
